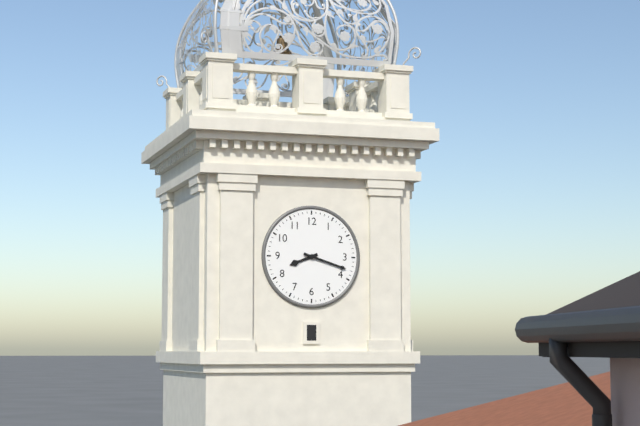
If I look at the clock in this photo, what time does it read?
8:18
